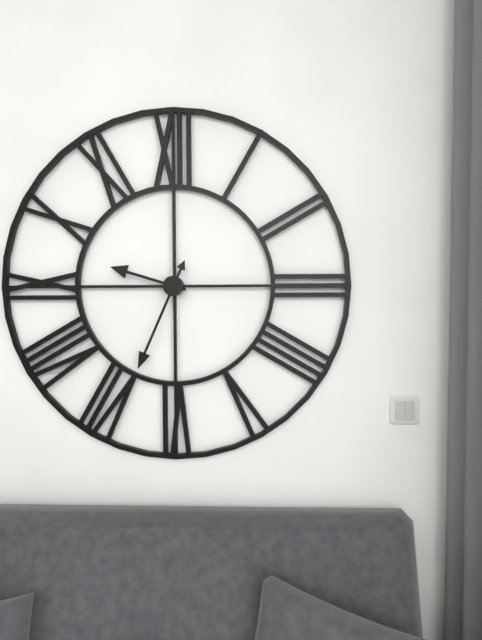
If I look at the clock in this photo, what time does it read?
9:34
